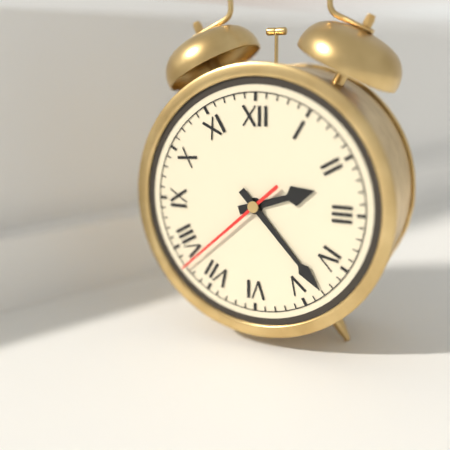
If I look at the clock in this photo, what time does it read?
2:23:38
